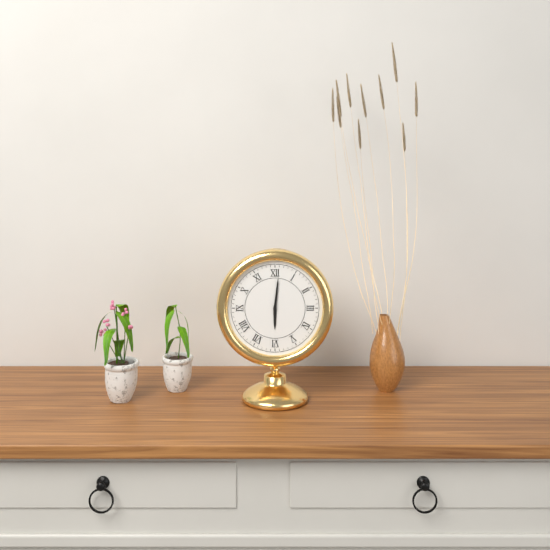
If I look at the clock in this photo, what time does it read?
6:01
